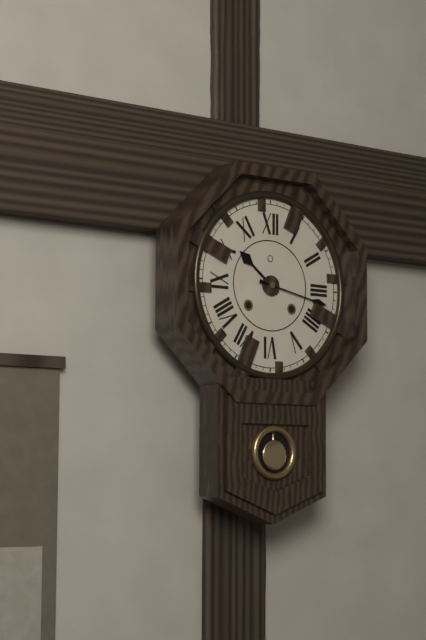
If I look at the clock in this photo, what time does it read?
10:17
